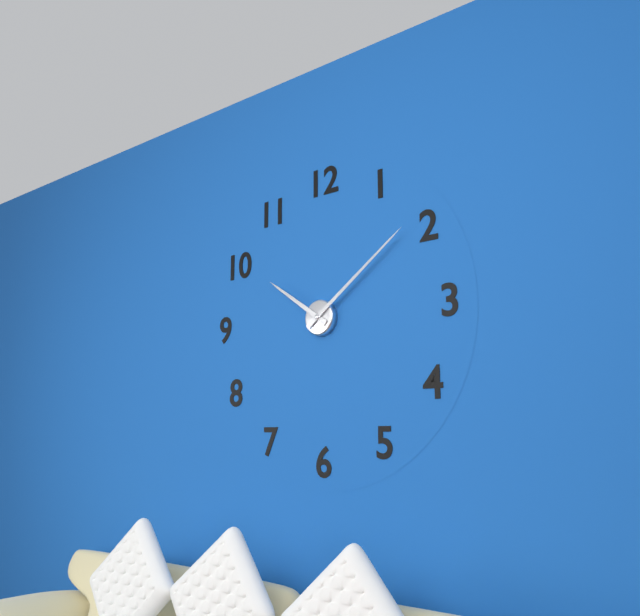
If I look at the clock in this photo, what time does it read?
10:09
